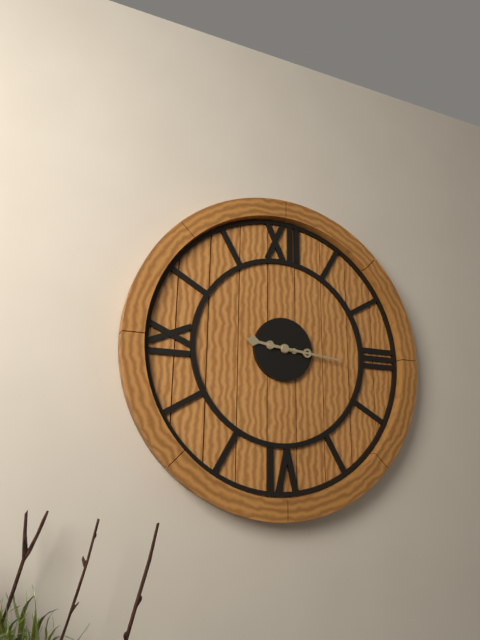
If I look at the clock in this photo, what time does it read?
9:16
